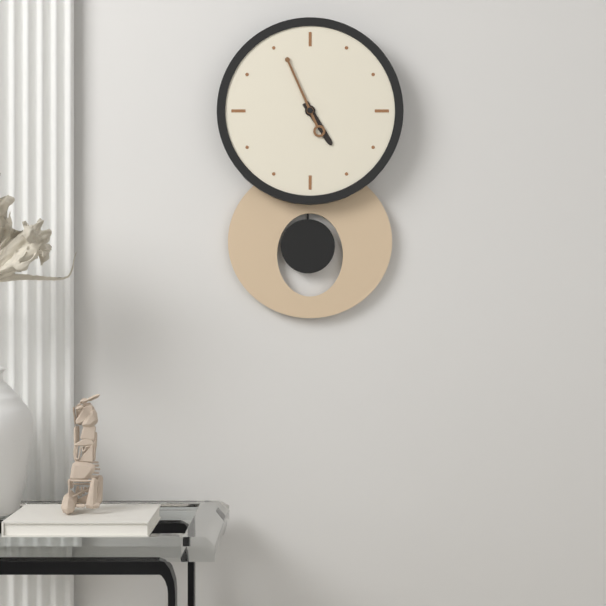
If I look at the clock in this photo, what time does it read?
4:56
